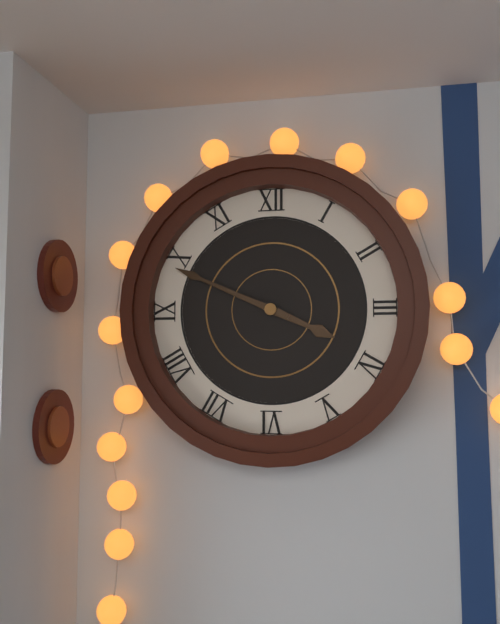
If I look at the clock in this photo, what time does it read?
3:49
